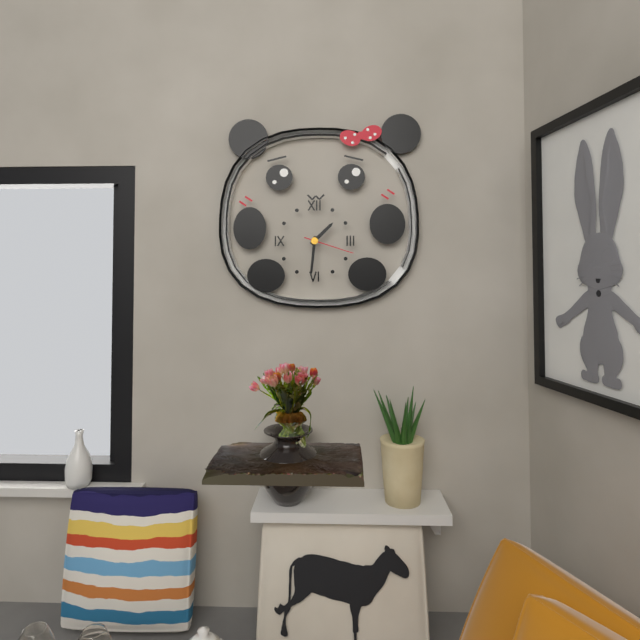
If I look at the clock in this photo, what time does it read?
1:31:18
